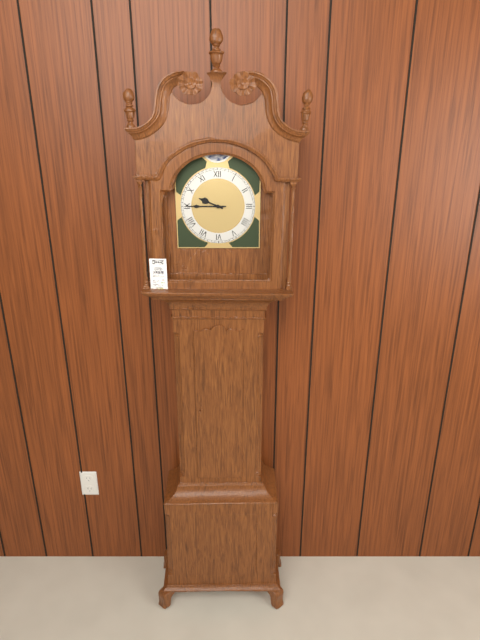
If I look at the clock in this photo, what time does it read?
9:45
